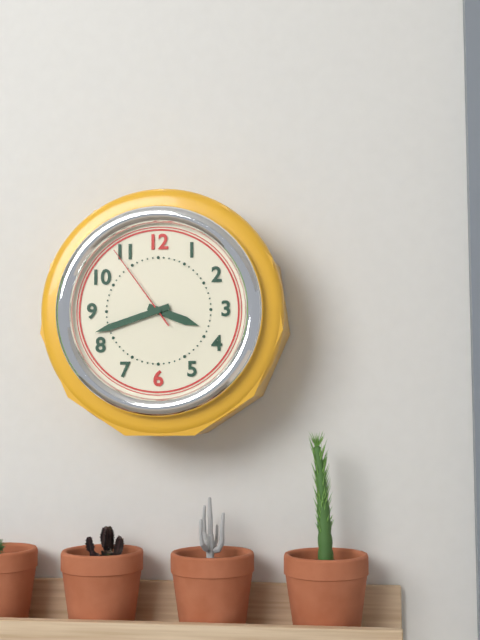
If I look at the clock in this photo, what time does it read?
3:42:54
